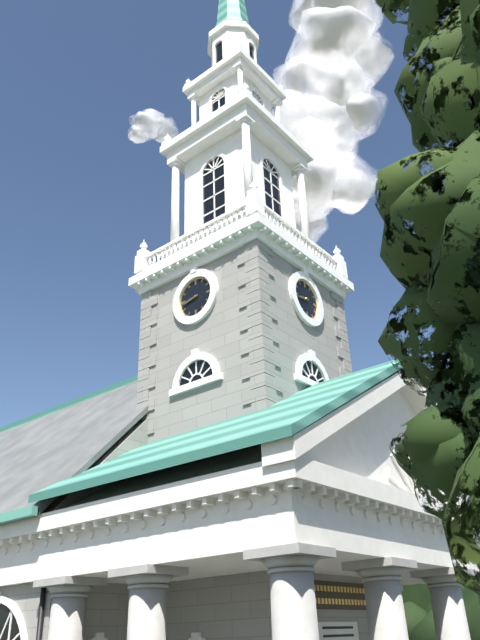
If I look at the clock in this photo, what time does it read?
8:43
